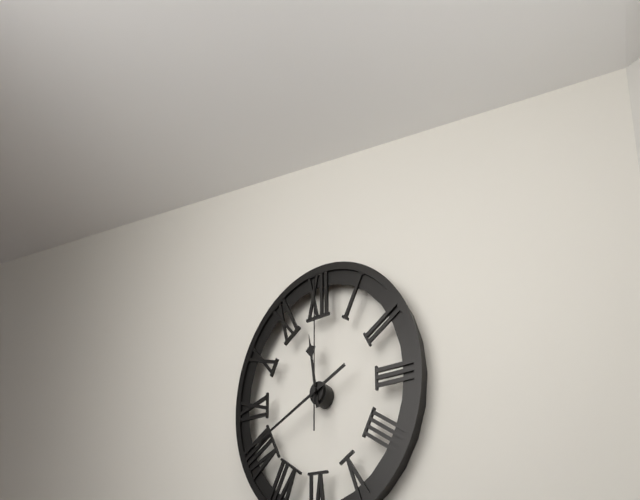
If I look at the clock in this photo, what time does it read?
11:41:00
